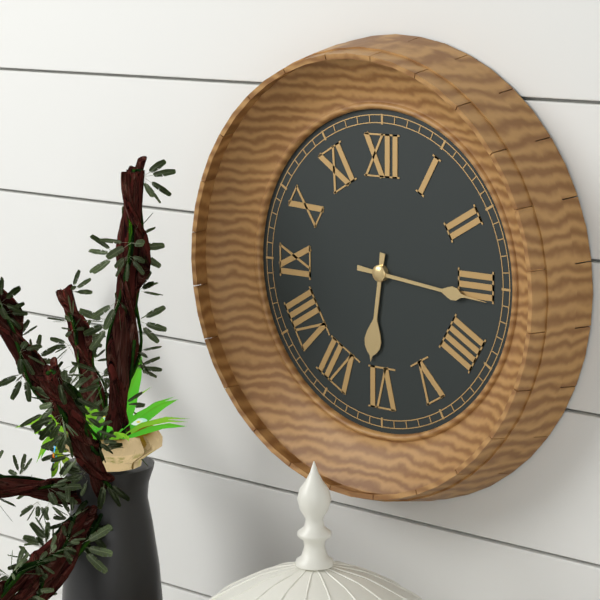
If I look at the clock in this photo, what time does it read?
6:16
